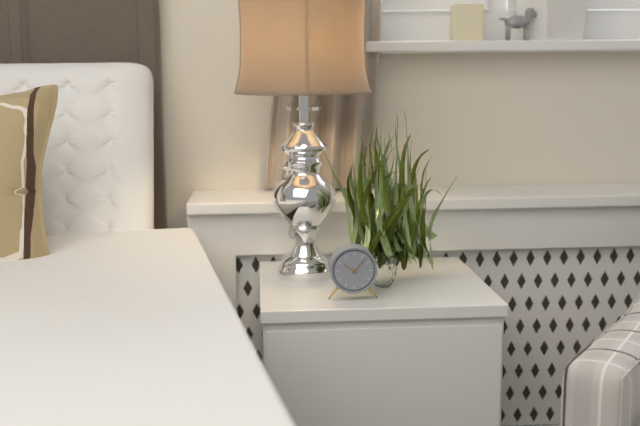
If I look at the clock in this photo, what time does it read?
10:07
